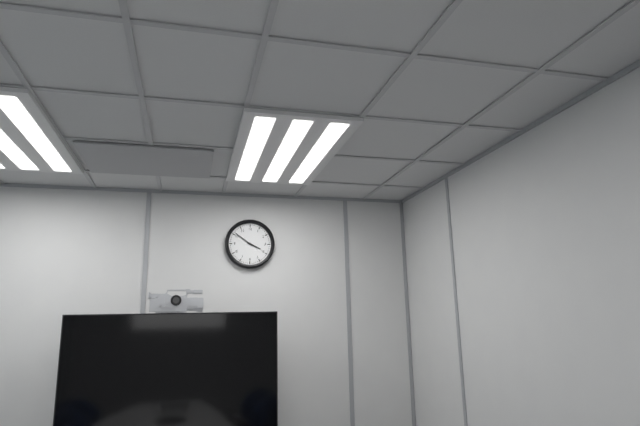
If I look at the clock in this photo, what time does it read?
3:51
